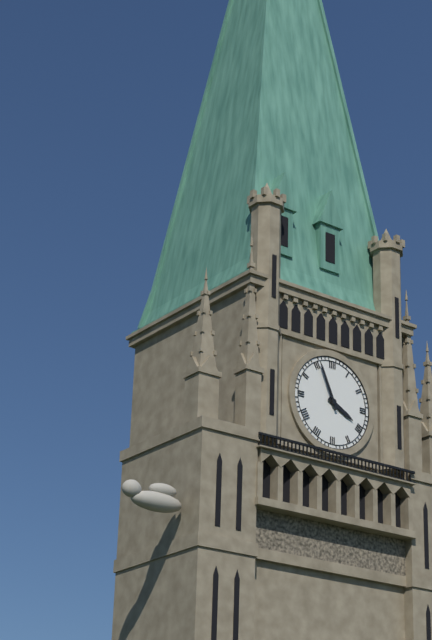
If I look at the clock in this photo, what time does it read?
3:56
